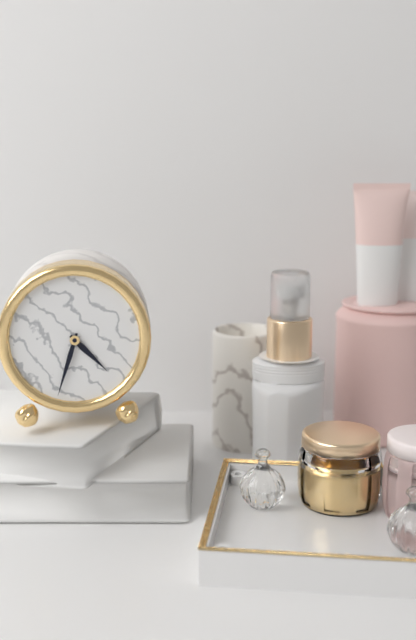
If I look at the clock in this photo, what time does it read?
4:33
